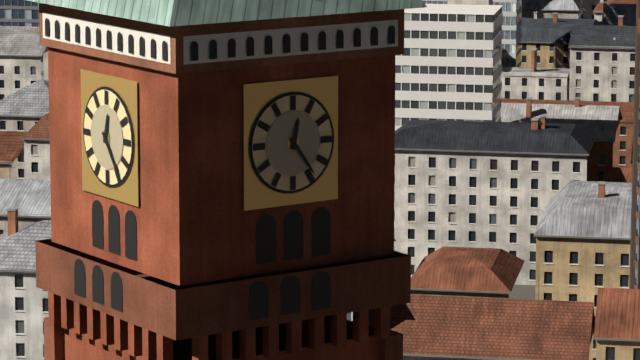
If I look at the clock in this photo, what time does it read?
12:24
